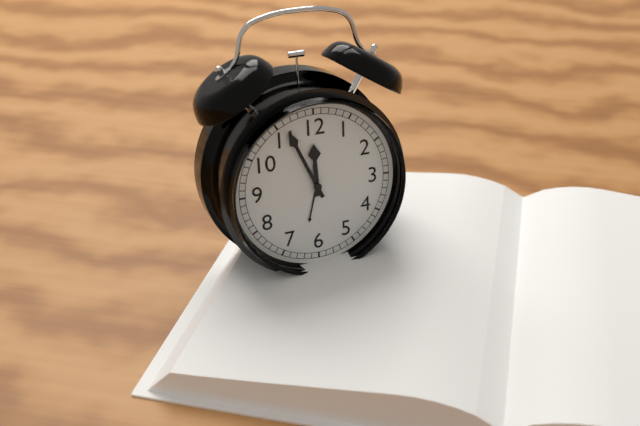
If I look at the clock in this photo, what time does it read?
11:56
